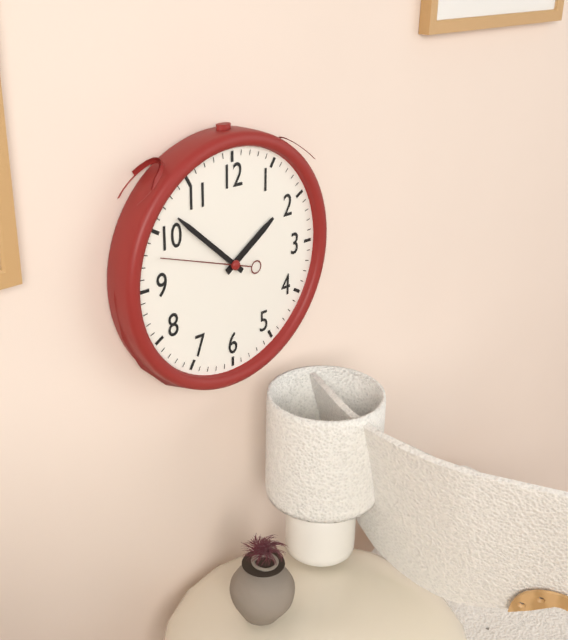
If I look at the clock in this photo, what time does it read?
1:52:48
